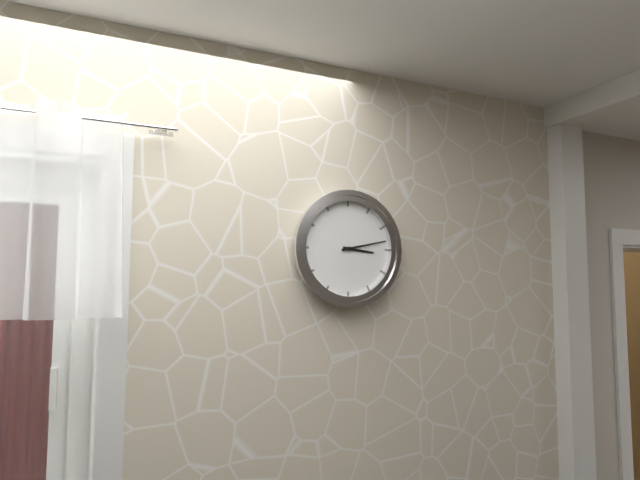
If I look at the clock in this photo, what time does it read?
3:13
